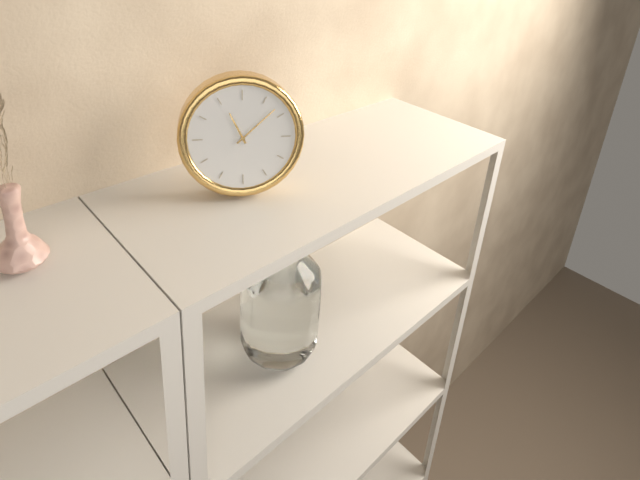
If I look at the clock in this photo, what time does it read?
11:08
